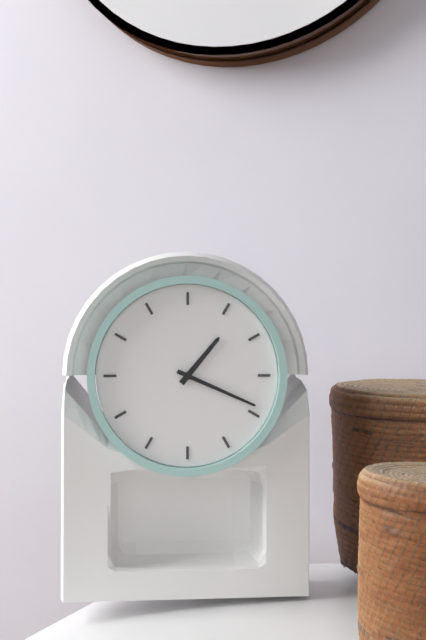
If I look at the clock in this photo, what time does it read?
1:19
